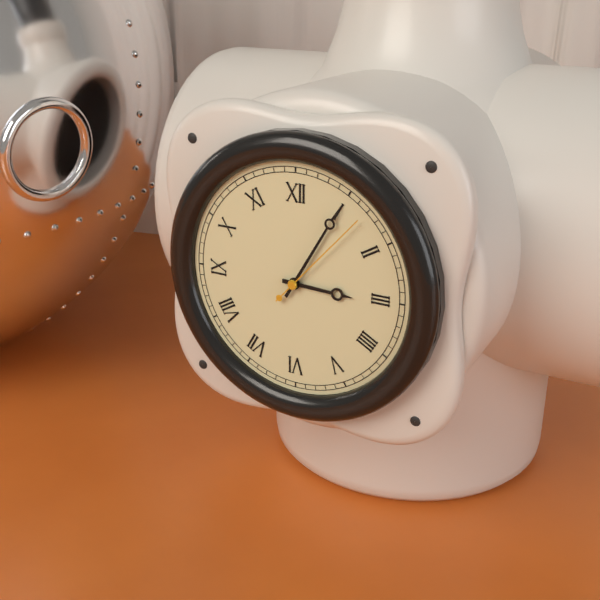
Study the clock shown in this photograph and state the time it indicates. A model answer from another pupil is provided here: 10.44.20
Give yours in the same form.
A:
3.05.07
